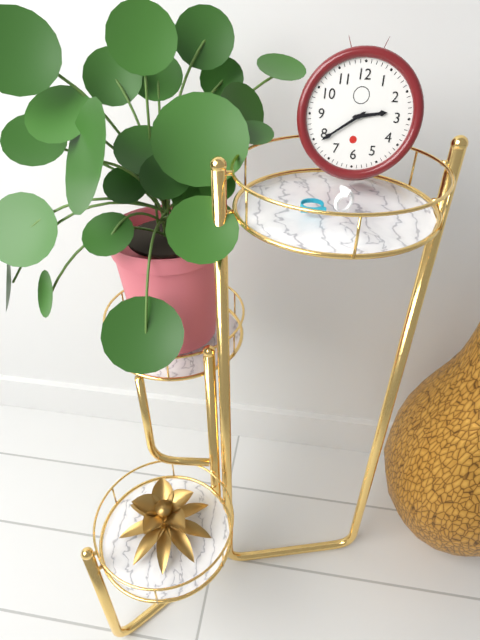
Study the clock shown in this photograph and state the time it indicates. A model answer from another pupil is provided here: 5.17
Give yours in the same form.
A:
2.39
